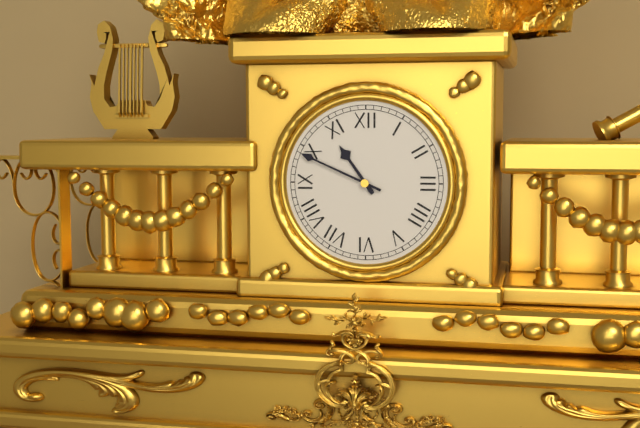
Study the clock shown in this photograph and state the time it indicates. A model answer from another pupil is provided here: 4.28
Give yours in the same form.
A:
10.49
